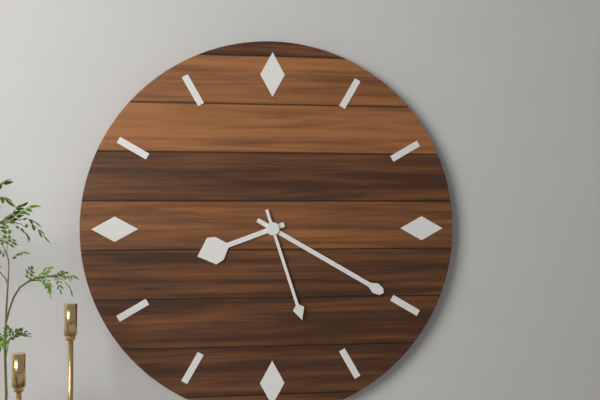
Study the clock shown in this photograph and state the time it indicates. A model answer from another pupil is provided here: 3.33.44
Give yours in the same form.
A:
8.20.27
